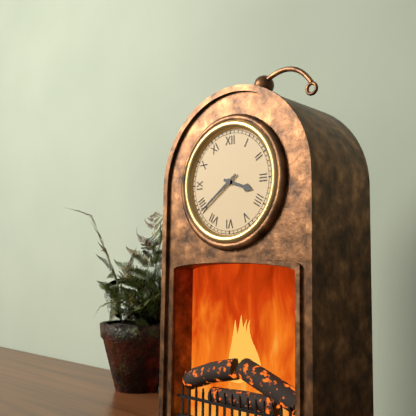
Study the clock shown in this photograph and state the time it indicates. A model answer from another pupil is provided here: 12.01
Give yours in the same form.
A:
3.39
